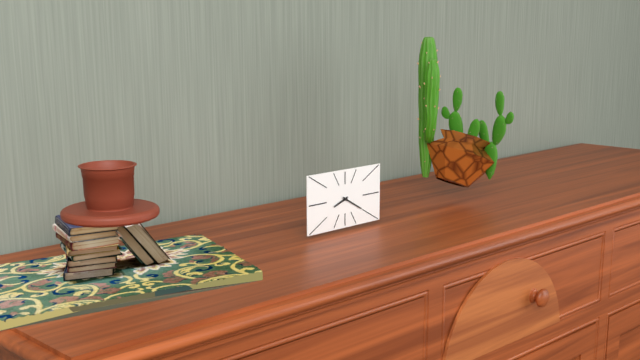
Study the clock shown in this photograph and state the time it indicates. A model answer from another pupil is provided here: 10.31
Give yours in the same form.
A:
8.20
